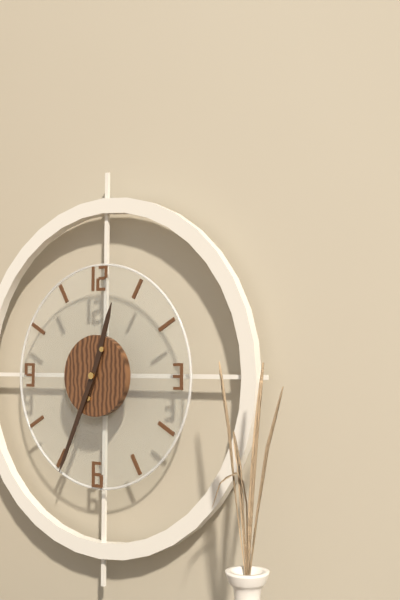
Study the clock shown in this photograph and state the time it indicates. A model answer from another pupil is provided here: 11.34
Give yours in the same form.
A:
12.34
